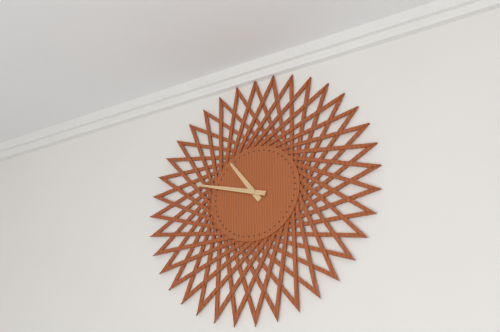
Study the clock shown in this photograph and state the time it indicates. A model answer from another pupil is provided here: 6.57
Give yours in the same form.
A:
10.48
